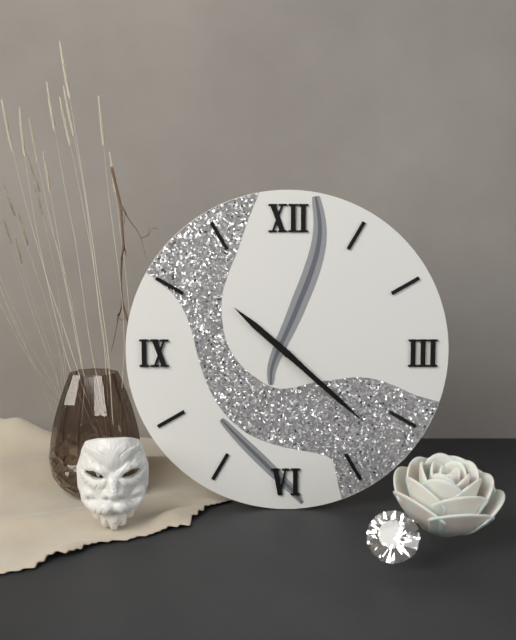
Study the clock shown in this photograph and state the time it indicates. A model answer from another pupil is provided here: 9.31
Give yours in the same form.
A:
10.22
